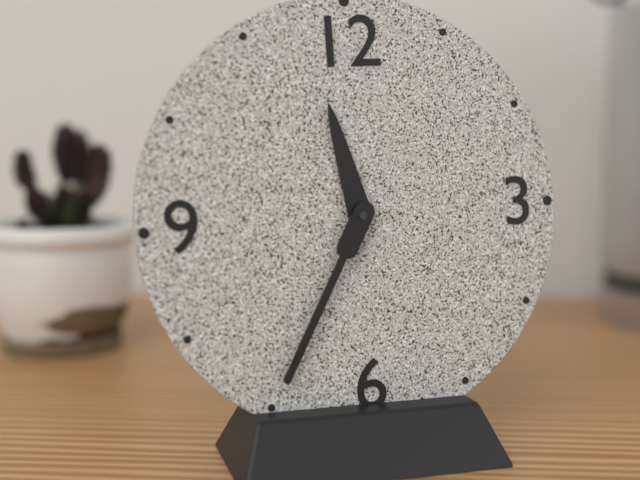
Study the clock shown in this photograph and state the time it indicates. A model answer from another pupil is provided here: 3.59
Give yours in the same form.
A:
11.35
